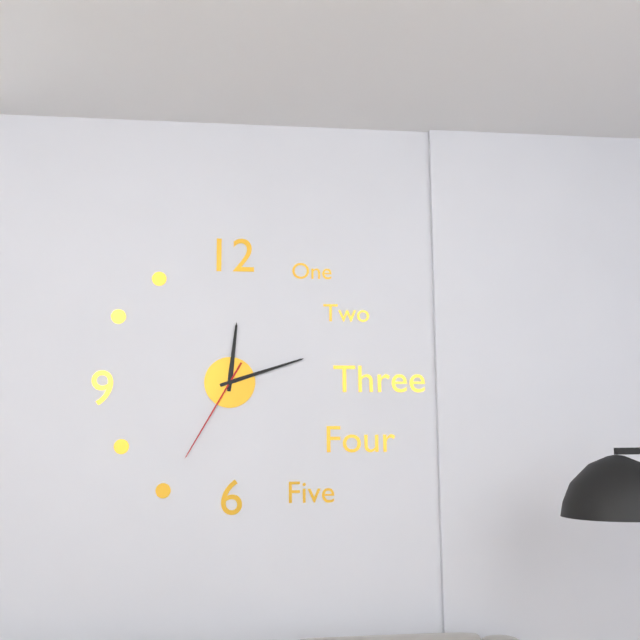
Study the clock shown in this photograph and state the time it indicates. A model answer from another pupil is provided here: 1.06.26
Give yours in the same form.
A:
12.12.35
